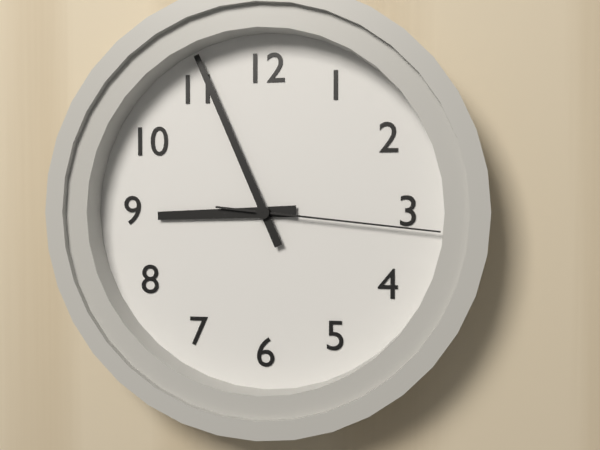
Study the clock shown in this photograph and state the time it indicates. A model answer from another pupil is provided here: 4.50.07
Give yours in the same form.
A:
8.56.16
